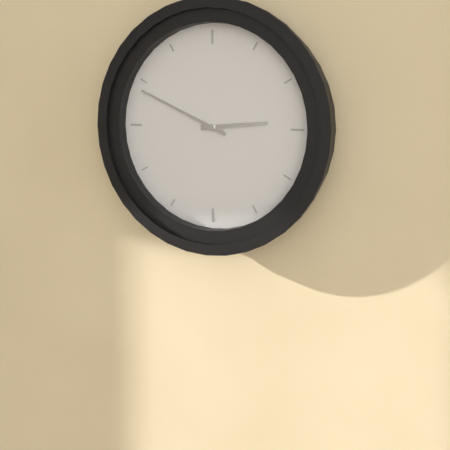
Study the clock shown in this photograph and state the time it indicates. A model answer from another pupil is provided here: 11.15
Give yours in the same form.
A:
2.49
